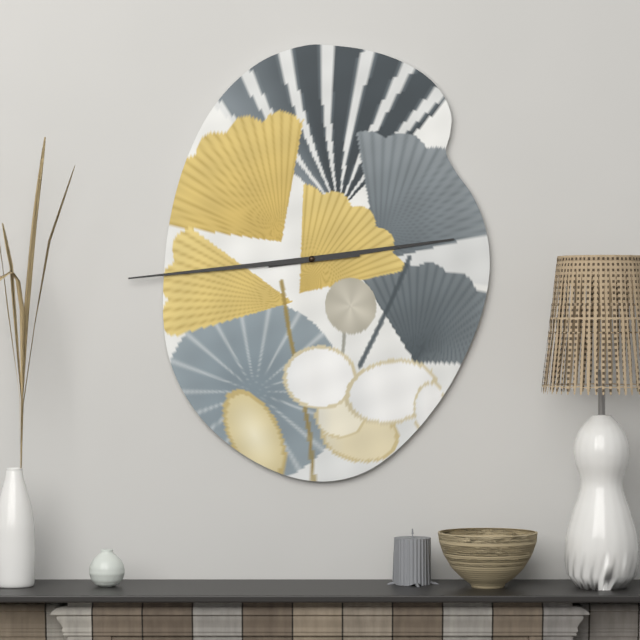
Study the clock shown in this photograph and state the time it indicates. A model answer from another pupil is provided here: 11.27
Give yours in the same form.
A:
2.44
